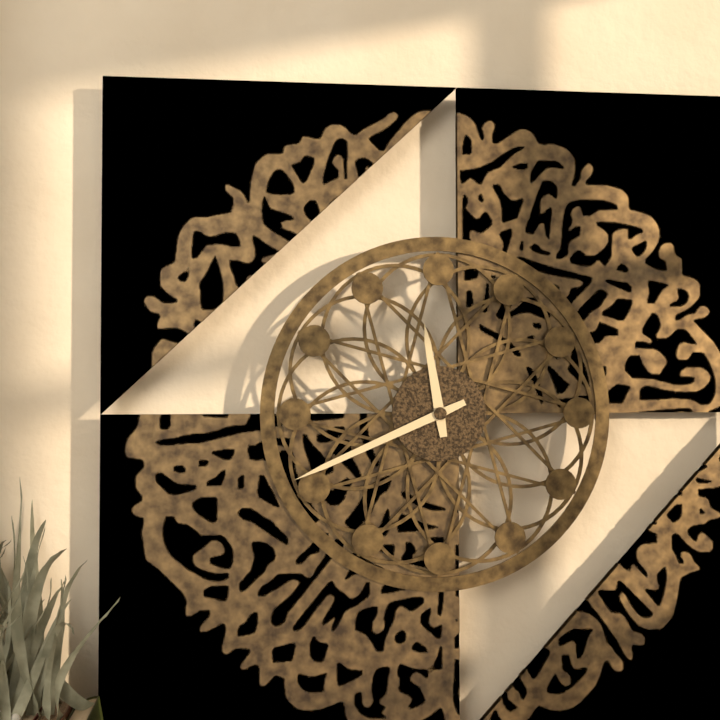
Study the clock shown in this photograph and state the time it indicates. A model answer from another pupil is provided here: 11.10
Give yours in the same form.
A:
11.41
